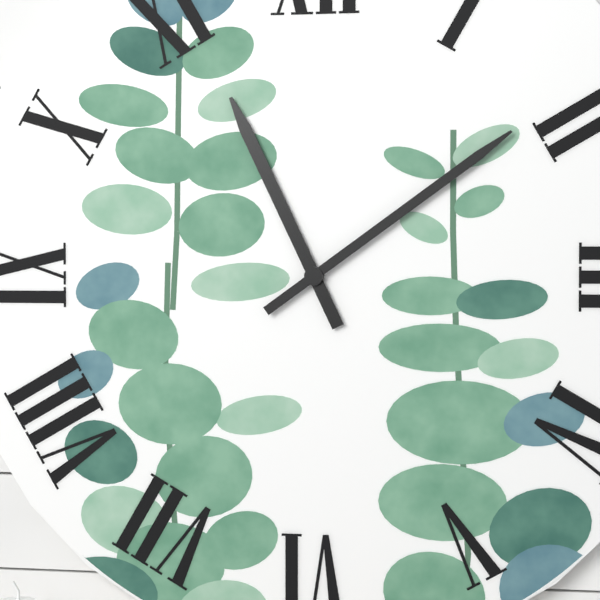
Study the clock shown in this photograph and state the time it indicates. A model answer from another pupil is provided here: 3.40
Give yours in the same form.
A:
11.09
